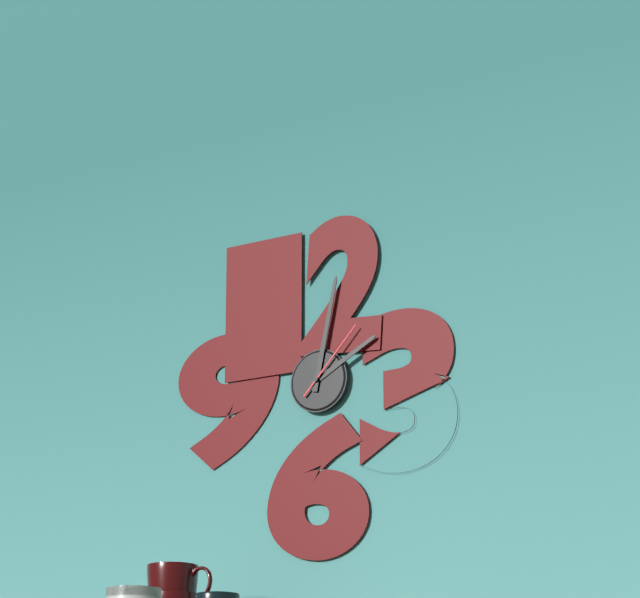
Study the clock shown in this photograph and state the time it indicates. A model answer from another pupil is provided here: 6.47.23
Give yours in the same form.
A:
2.02.07
